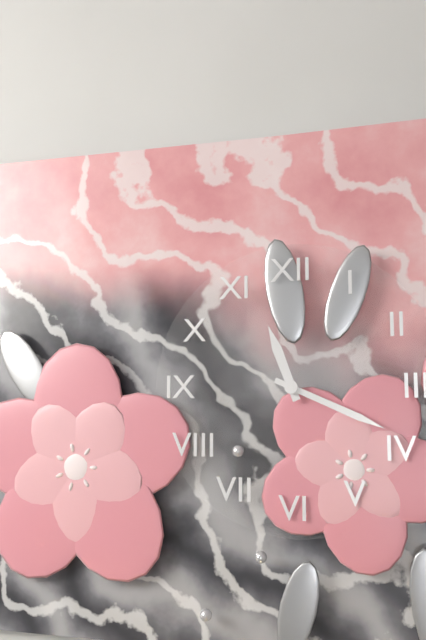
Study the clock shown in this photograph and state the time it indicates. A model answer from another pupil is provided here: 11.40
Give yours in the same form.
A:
11.19
